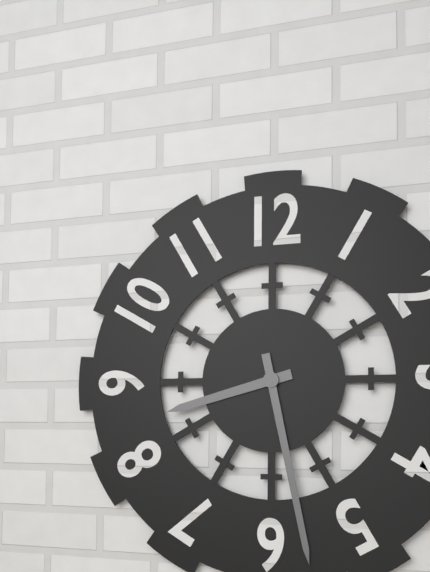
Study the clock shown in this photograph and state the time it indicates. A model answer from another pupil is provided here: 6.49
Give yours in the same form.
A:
8.28
